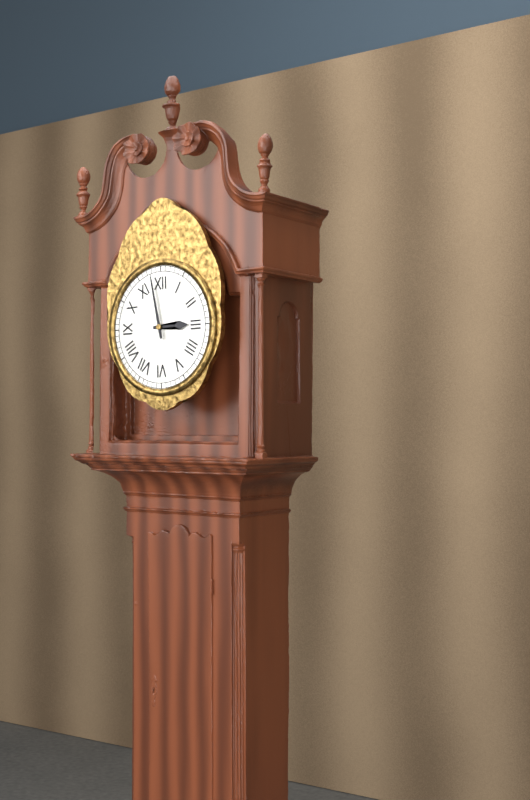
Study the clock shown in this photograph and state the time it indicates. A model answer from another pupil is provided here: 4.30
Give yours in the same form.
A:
2.58
